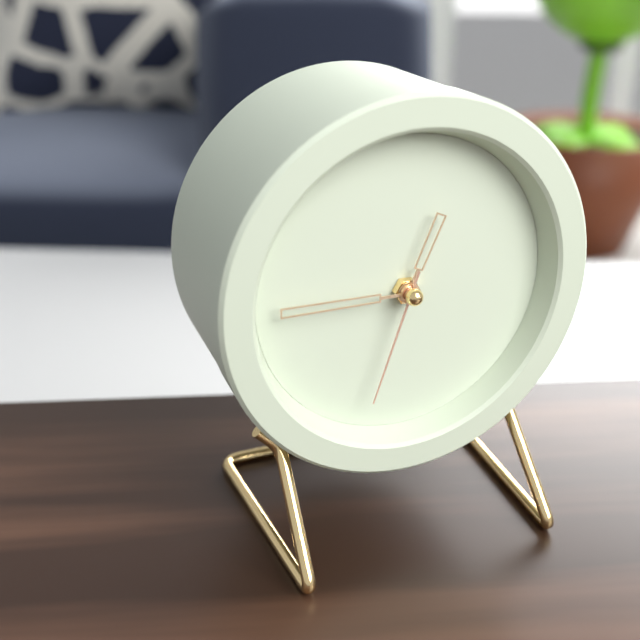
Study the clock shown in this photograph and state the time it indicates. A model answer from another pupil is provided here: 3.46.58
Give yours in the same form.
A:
12.45.33
